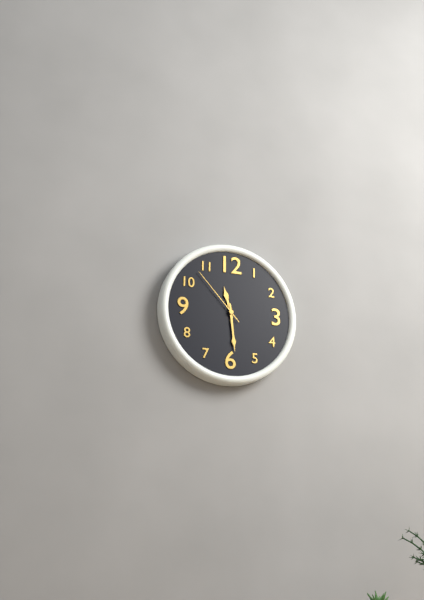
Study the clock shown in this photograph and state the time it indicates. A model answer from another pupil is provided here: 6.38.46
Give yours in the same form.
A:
11.29.53
